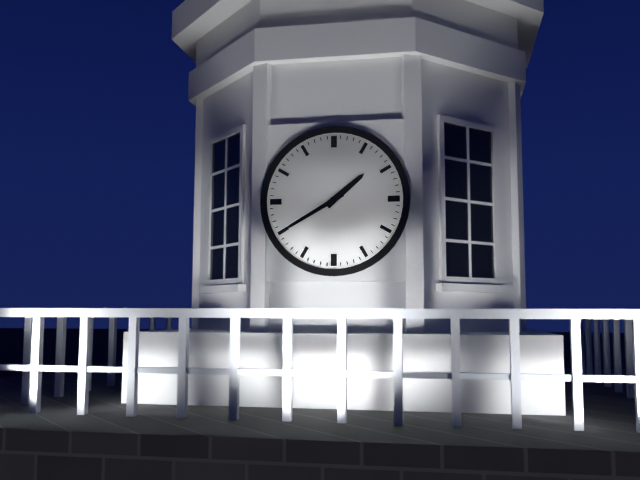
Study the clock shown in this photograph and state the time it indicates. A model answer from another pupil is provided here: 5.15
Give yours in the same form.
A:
1.40
